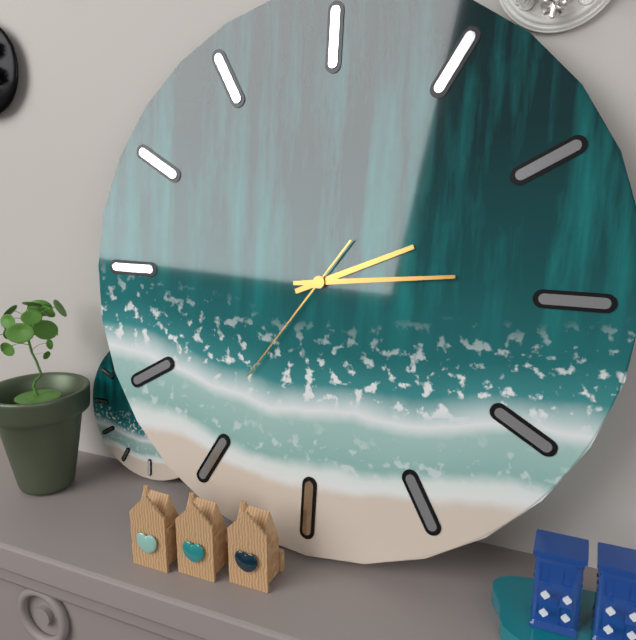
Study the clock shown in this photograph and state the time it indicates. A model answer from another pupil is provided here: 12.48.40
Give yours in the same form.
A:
2.14.36
